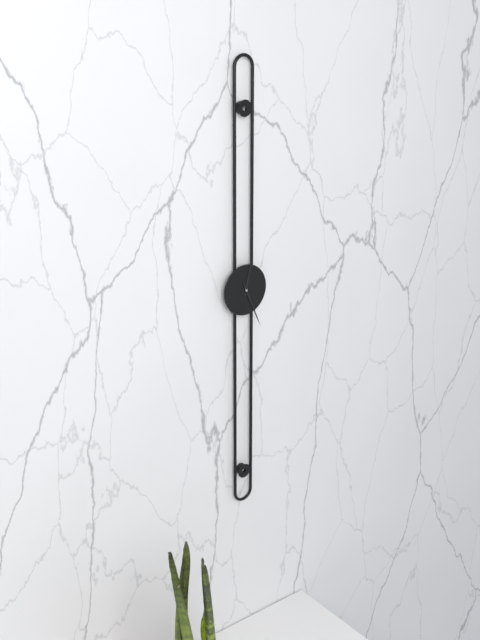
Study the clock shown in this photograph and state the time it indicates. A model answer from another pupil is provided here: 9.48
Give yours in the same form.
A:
12.26
